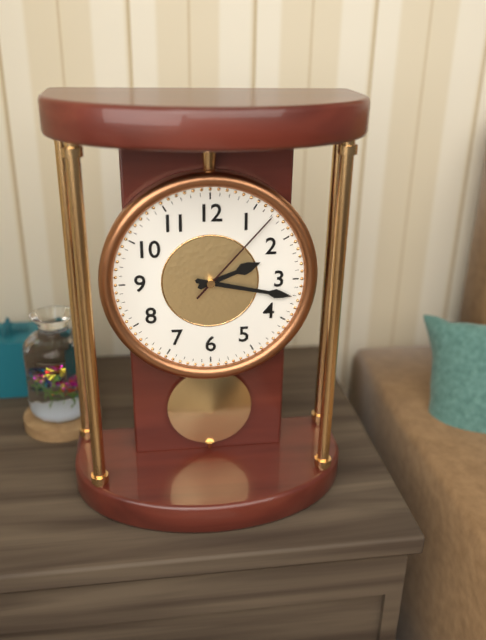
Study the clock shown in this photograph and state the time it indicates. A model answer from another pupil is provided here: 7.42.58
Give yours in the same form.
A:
2.17.07
